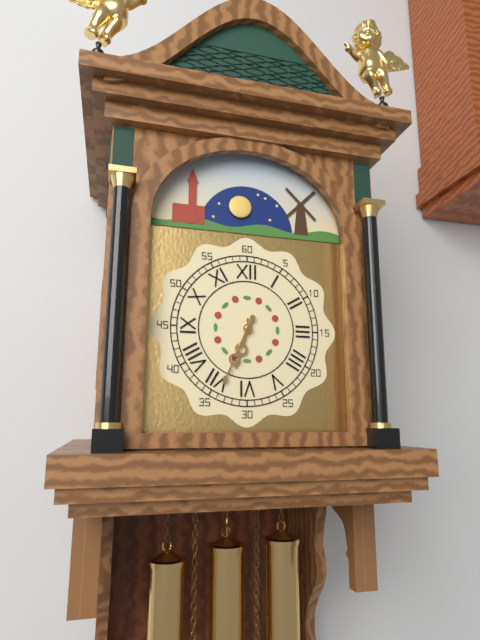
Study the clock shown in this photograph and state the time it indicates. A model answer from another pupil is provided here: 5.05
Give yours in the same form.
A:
6.34
